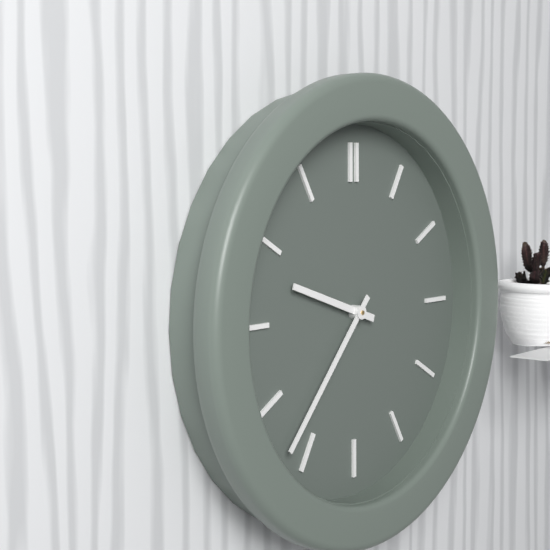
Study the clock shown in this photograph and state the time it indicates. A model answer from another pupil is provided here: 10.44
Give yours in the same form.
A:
9.37
